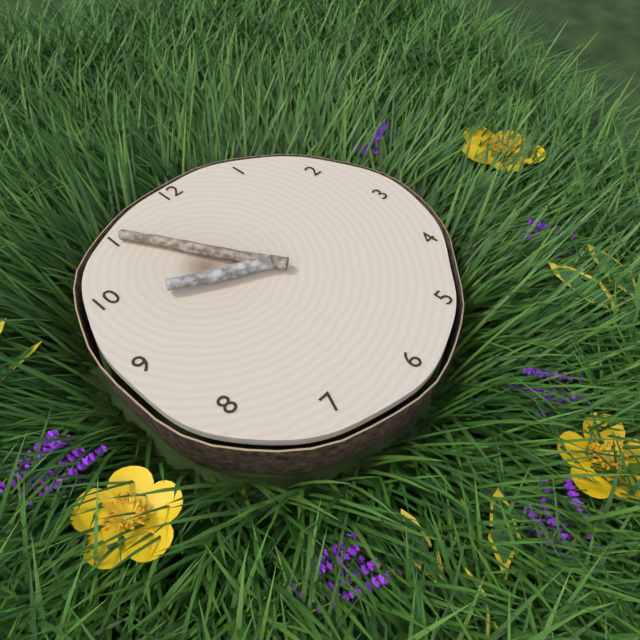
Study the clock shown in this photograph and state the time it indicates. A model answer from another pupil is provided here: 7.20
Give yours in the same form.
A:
9.55
